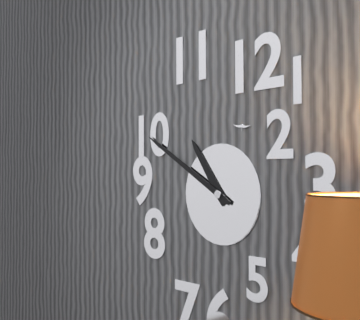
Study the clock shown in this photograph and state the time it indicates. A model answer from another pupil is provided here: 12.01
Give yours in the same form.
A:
10.50
